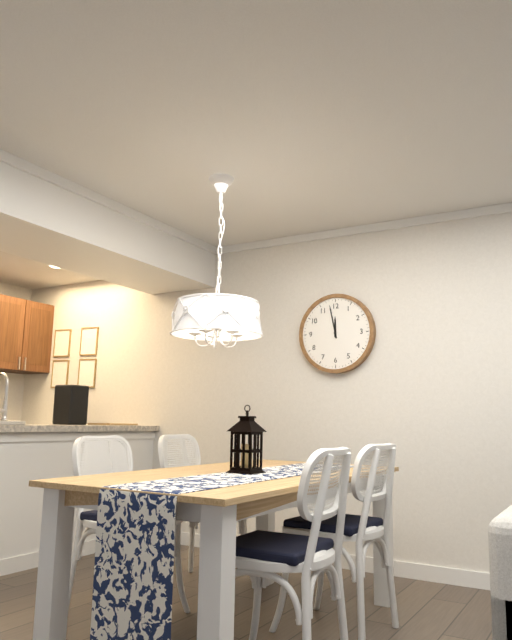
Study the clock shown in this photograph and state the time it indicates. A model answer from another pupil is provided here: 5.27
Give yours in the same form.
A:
11.58
